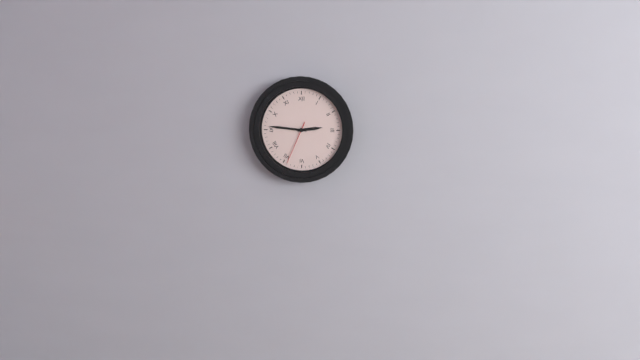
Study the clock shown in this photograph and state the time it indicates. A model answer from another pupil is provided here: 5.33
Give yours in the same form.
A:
2.46
